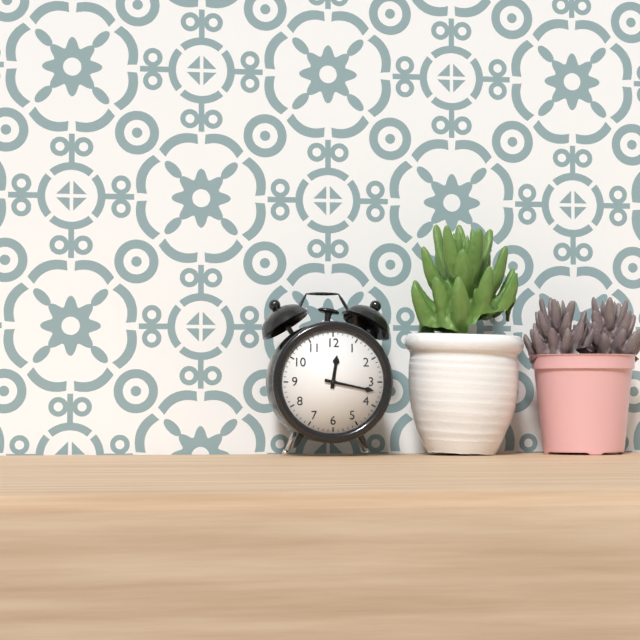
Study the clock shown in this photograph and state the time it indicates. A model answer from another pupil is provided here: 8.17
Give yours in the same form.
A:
12.17
